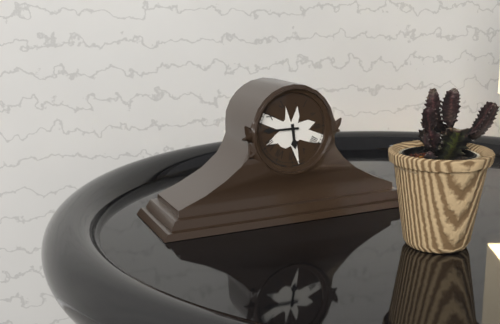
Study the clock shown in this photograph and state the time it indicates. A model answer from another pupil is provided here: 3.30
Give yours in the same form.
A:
5.45
